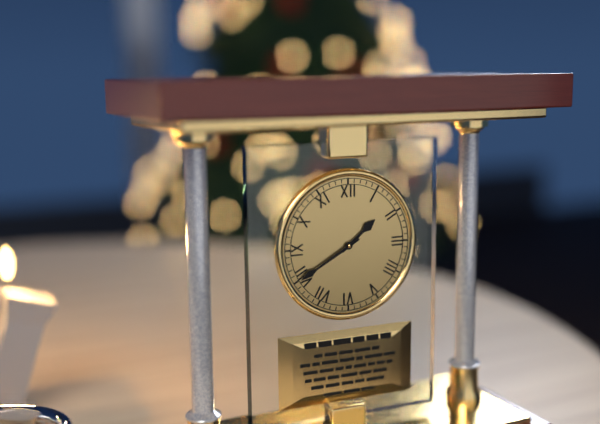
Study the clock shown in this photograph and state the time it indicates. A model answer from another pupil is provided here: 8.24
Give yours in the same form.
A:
1.40
